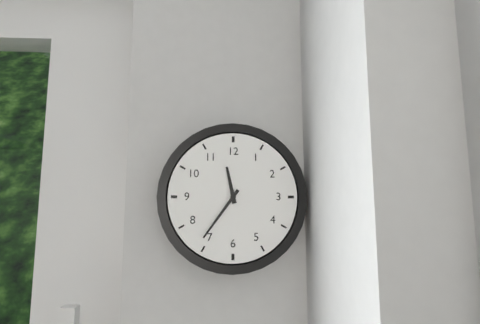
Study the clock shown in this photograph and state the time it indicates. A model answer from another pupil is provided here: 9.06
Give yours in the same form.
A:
11.36
